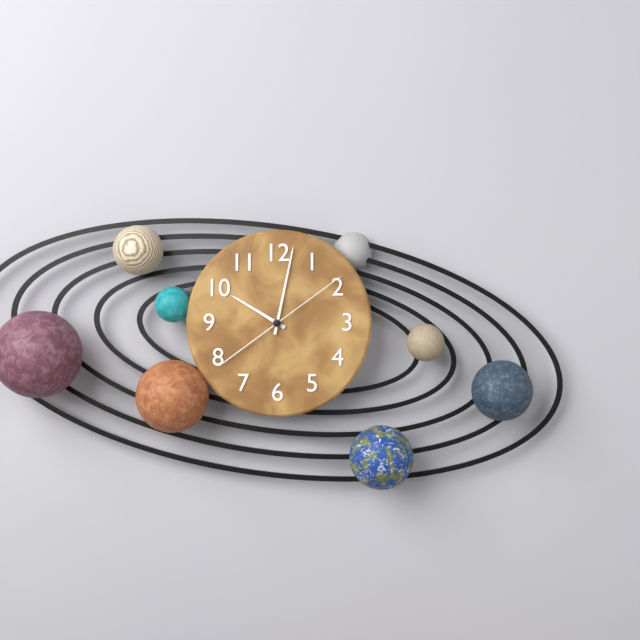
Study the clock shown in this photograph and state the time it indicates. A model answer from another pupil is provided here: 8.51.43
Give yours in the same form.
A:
10.02.09
